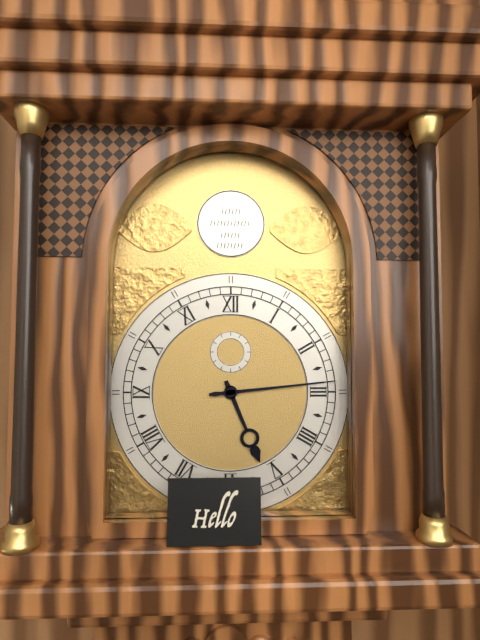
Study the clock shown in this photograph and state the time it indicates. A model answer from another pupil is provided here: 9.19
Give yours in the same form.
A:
5.14
